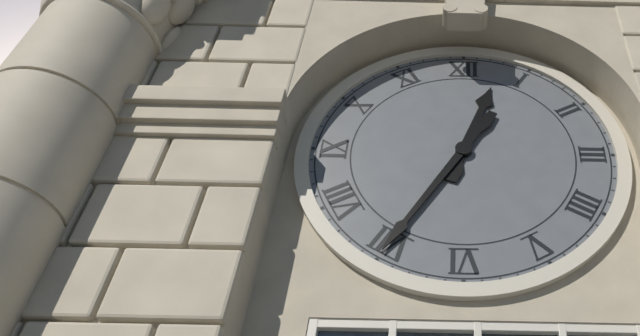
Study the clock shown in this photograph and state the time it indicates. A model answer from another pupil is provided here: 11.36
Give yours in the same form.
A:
12.35
